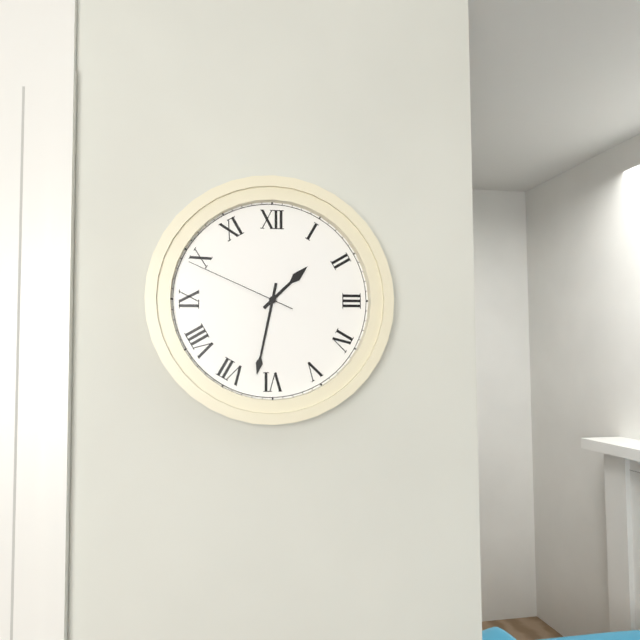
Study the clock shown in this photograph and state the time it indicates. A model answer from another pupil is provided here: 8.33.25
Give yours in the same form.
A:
1.32.49
